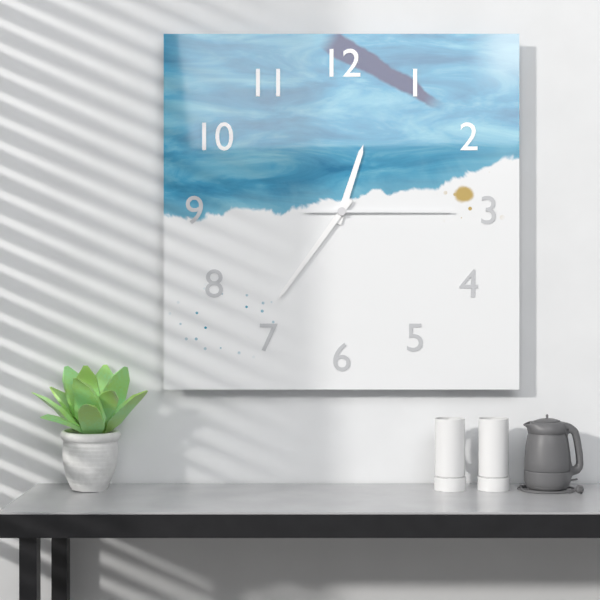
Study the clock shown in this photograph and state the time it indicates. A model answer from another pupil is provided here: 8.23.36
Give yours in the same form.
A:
12.36.15
